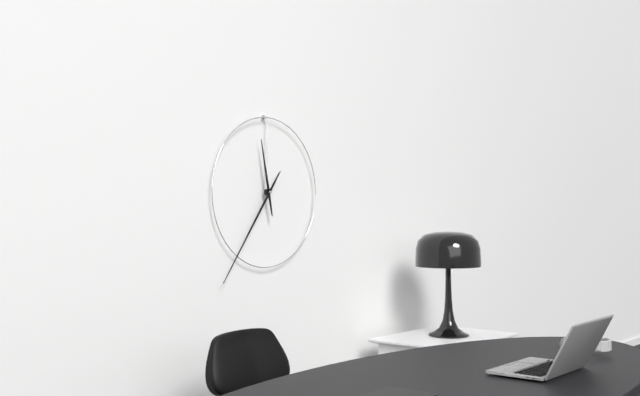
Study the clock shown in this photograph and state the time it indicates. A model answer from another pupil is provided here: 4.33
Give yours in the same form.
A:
11.36
